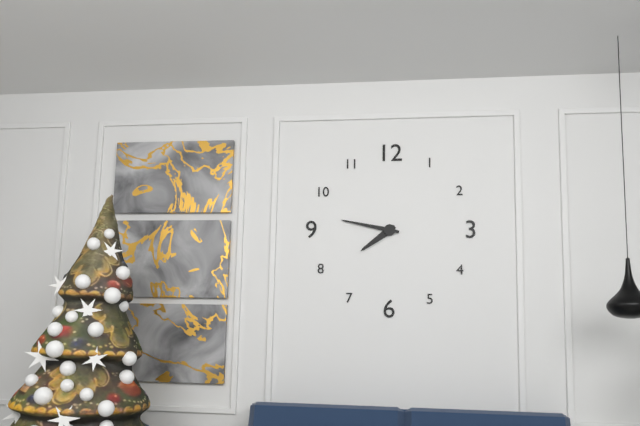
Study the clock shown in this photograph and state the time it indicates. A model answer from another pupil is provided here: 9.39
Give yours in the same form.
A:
7.47
